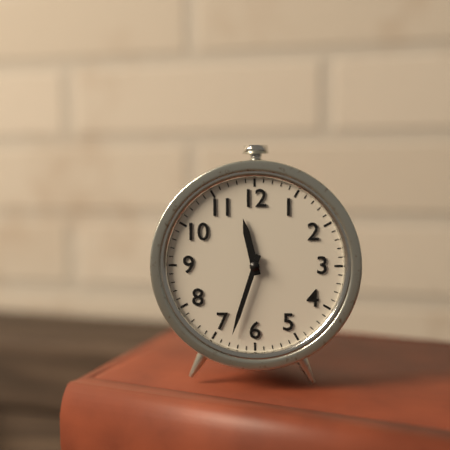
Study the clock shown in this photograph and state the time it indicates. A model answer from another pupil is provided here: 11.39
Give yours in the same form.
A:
11.33
